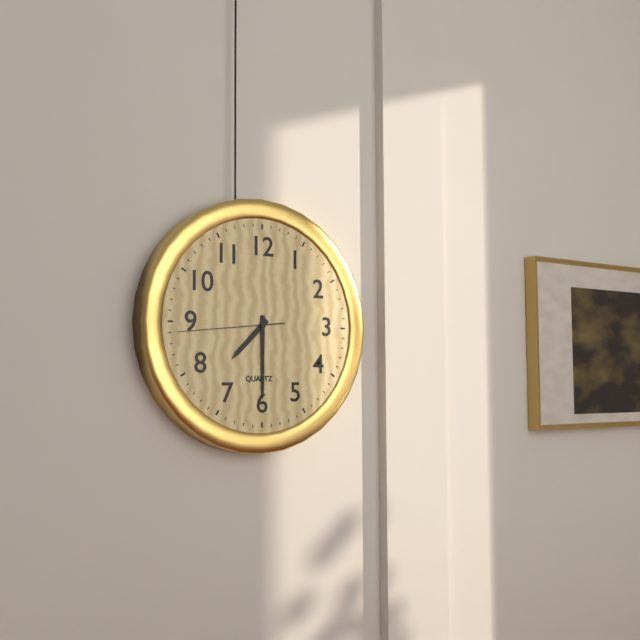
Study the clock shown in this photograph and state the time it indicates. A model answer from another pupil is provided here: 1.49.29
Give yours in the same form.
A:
7.30.44
